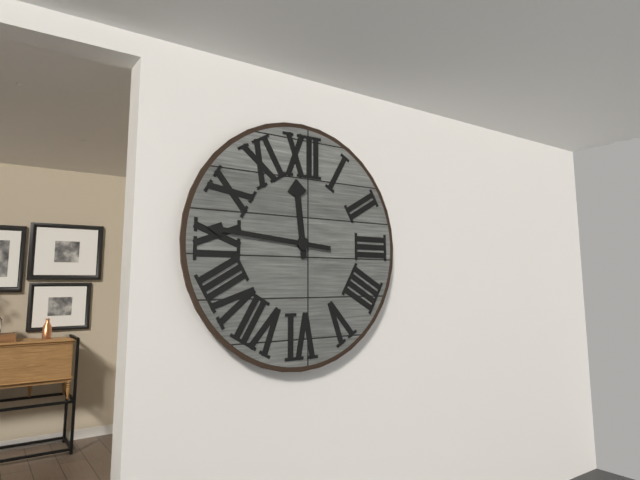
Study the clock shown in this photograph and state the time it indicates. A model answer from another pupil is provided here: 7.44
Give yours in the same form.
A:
11.46
